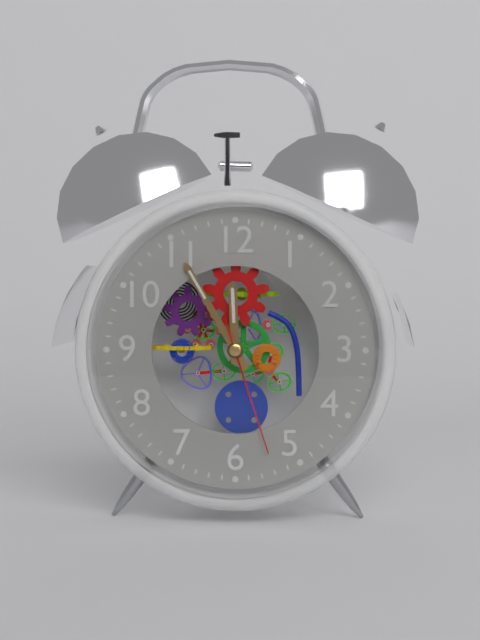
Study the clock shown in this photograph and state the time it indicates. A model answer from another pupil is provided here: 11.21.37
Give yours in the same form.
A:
11.55.27
